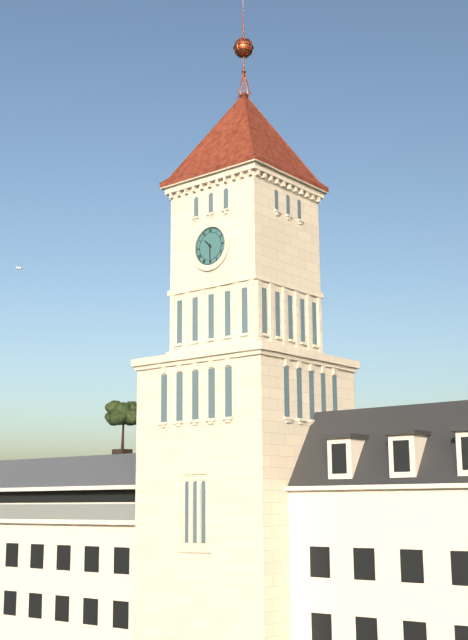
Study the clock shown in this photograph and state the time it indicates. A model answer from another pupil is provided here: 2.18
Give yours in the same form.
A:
10.30
